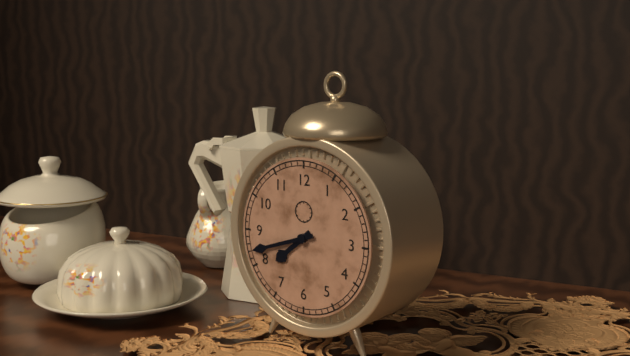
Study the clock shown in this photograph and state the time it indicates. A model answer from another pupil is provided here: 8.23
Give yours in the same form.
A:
7.42
